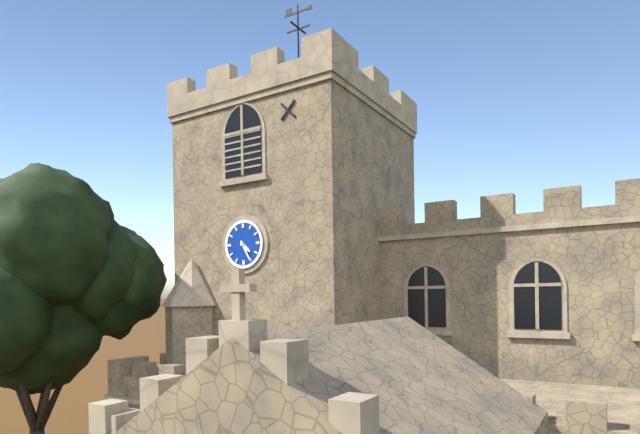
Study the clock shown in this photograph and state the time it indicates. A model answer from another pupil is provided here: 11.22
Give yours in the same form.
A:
4.25
